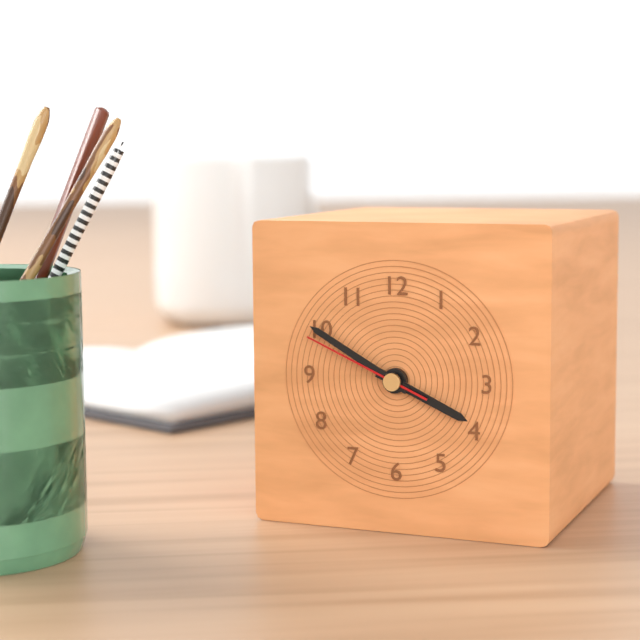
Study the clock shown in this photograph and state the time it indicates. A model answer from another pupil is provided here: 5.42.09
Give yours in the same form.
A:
3.50.49
